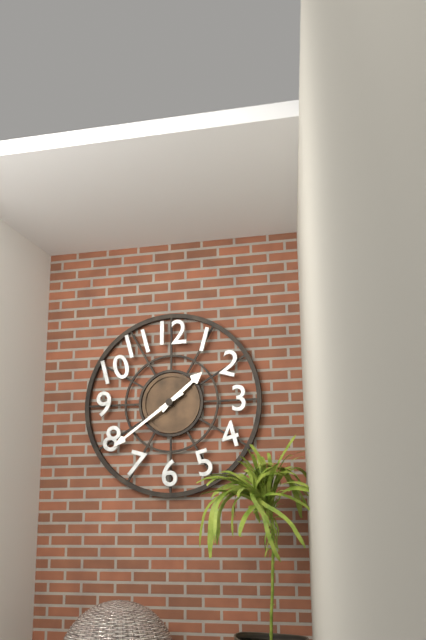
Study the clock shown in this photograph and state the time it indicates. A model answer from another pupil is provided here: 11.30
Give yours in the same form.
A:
1.39
